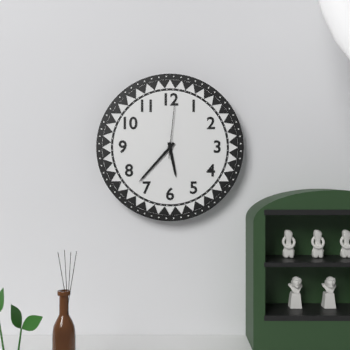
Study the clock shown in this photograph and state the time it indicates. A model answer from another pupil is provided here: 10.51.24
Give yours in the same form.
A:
5.37.01
